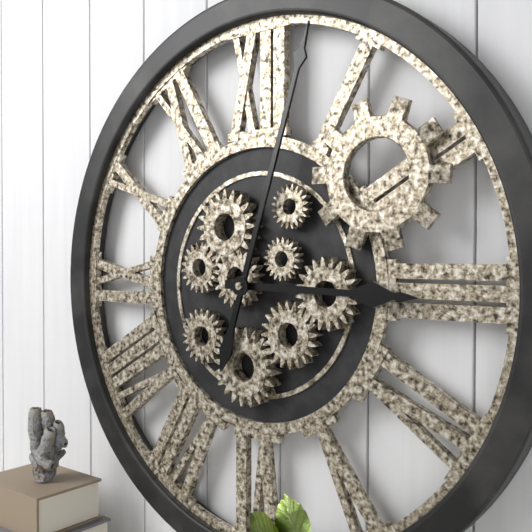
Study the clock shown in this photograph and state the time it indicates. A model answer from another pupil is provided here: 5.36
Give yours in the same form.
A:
3.03
